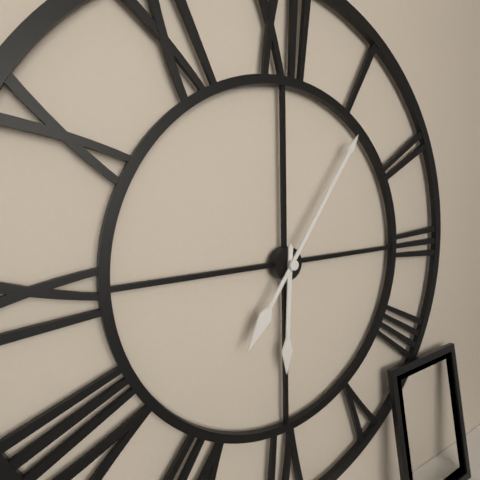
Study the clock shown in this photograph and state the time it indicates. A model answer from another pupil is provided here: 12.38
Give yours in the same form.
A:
6.06
